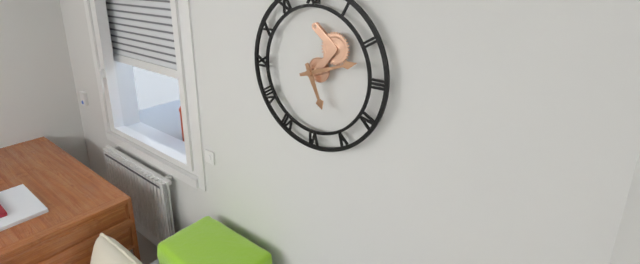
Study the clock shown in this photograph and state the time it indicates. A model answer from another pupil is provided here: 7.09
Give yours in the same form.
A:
5.12
